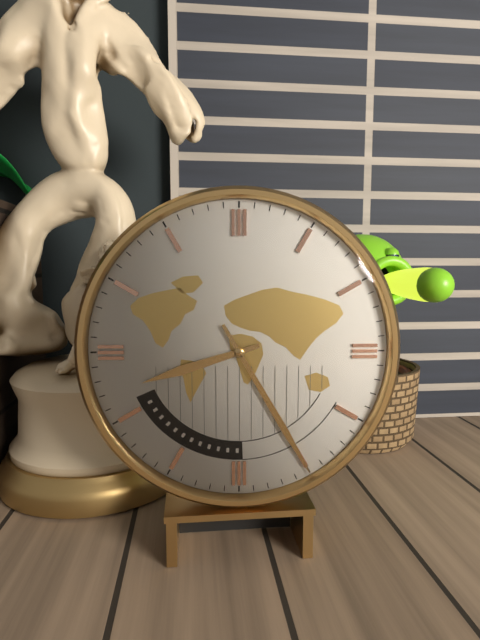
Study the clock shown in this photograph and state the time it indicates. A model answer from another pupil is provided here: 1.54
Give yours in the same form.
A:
8.25
